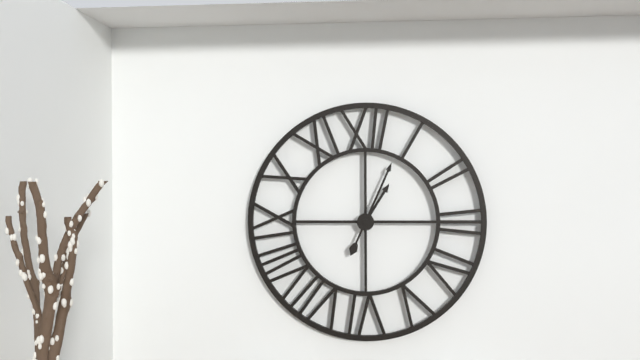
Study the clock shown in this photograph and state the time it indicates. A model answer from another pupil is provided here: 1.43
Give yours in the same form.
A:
1.04
